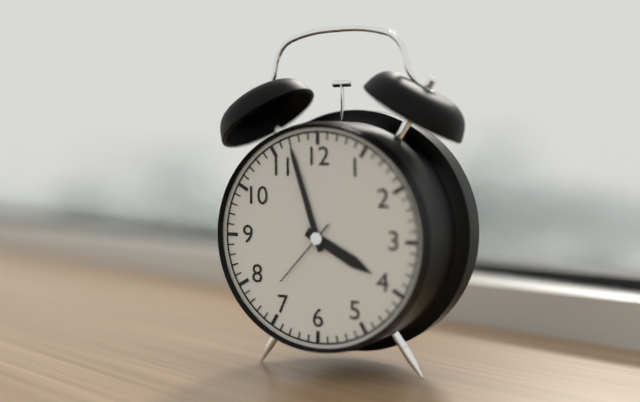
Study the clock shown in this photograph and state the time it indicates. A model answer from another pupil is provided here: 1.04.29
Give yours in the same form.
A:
3.57.37
